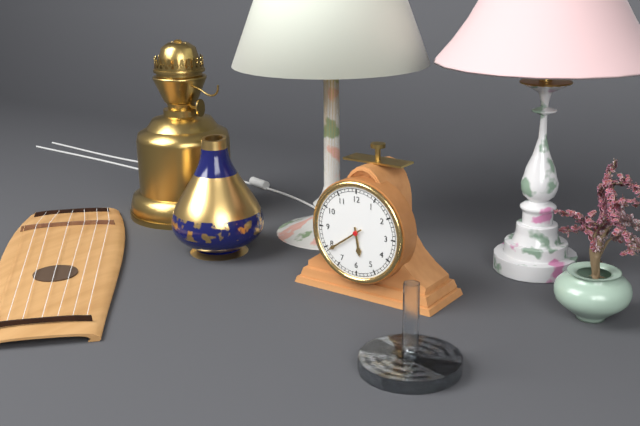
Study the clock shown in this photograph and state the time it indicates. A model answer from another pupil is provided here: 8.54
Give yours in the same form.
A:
5.39
